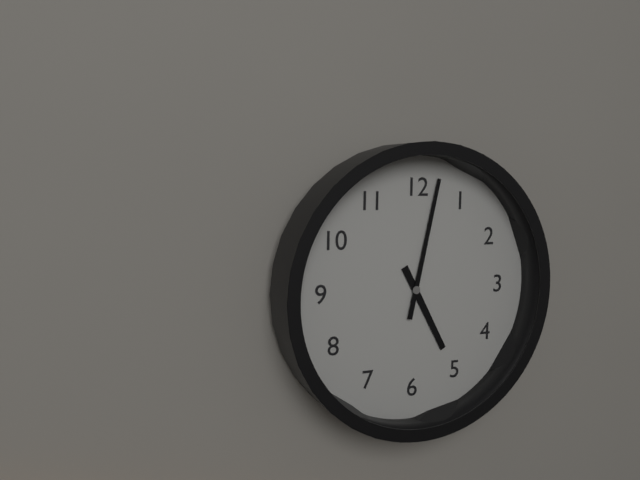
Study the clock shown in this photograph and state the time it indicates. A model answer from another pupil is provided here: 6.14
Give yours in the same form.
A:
5.02
